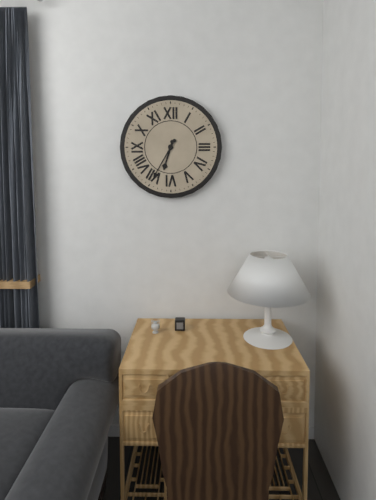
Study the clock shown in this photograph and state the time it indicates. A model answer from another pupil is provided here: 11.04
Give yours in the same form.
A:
6.35
